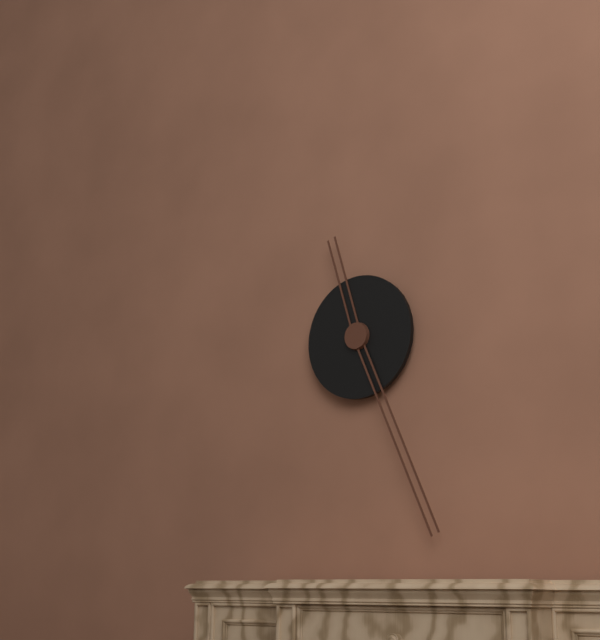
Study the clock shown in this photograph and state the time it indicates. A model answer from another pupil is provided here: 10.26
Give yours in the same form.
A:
11.26
